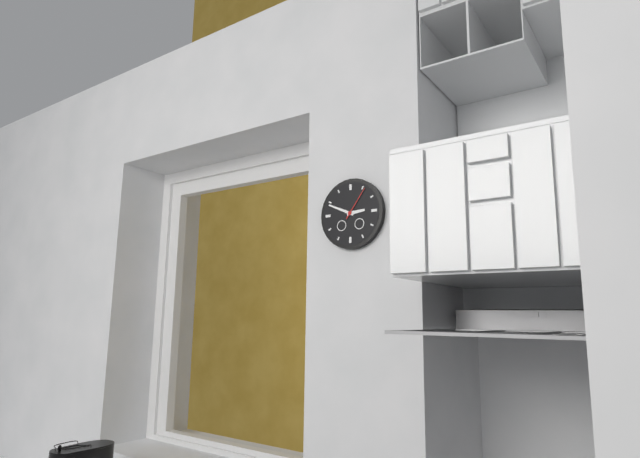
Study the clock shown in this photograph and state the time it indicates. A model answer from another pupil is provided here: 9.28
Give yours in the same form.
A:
2.49
